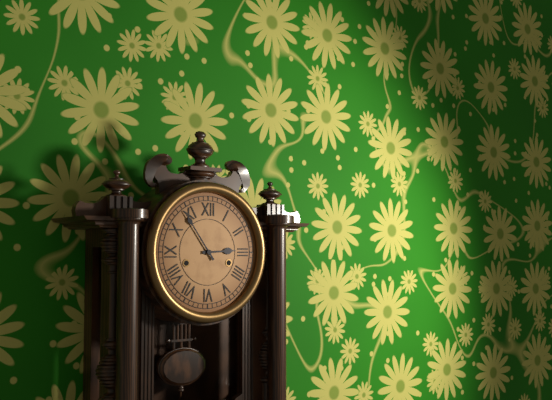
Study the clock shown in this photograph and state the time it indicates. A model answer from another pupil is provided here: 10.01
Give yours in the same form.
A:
2.54
